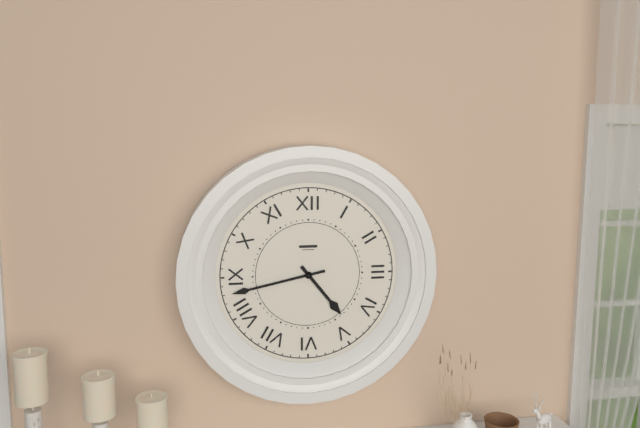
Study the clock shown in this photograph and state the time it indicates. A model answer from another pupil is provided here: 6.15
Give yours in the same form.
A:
4.43
